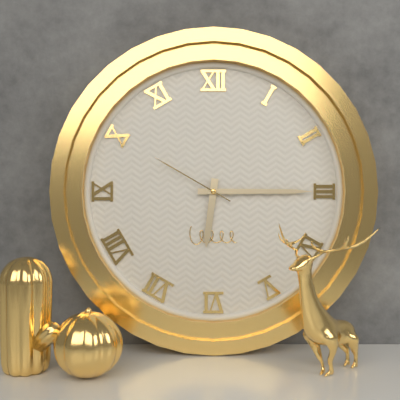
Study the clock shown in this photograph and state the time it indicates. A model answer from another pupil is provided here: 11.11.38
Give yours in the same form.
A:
6.15.50
